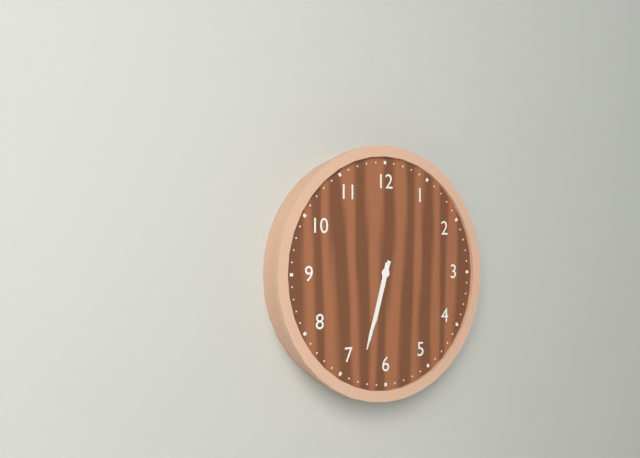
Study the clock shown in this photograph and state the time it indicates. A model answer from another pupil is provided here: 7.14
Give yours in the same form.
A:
6.33
